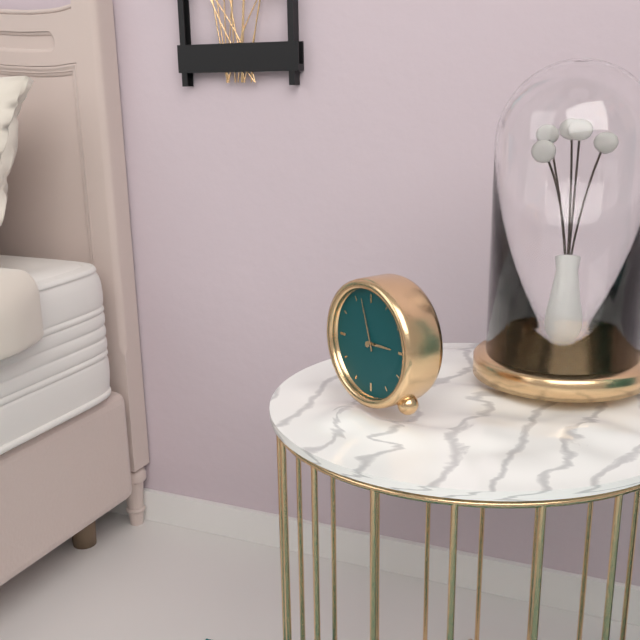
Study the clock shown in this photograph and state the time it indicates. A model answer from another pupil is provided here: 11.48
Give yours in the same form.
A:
2.57
